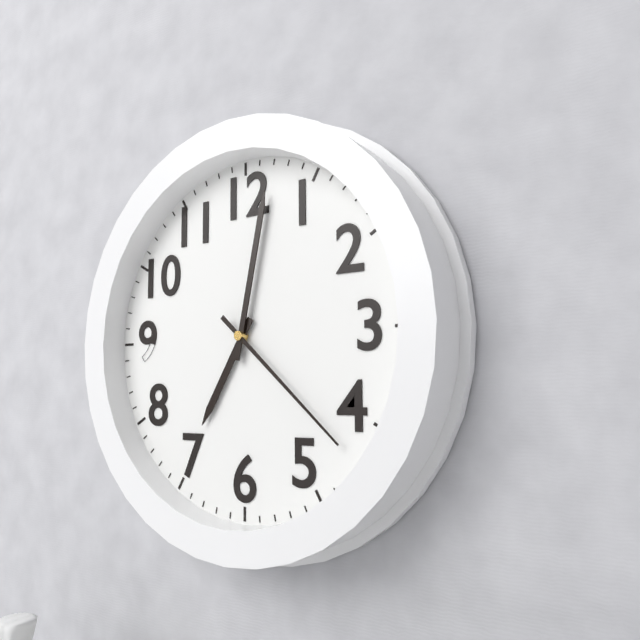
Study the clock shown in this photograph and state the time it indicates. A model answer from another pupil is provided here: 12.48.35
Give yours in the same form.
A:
7.02.22
